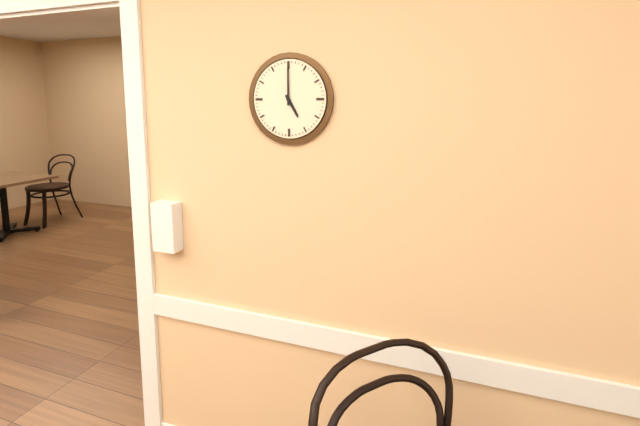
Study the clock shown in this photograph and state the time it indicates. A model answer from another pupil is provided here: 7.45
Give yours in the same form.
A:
5.00
